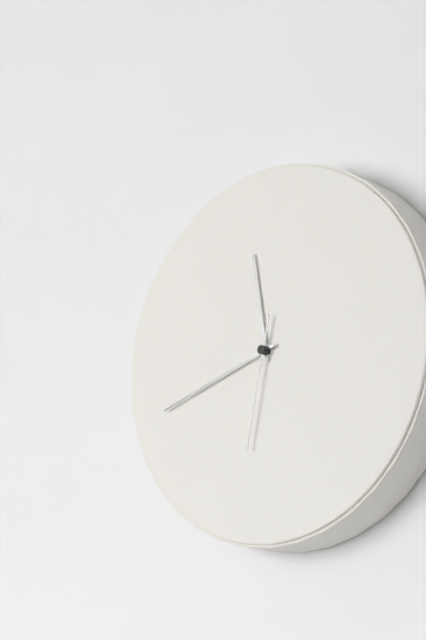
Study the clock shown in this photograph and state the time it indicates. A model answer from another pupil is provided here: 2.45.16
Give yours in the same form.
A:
11.42.32
